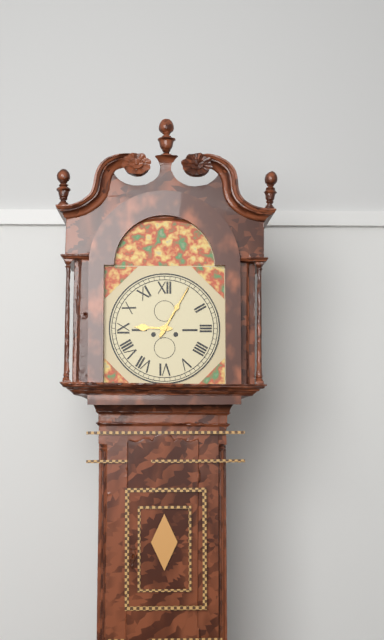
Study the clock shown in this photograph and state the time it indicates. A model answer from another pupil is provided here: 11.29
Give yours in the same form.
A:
9.05
